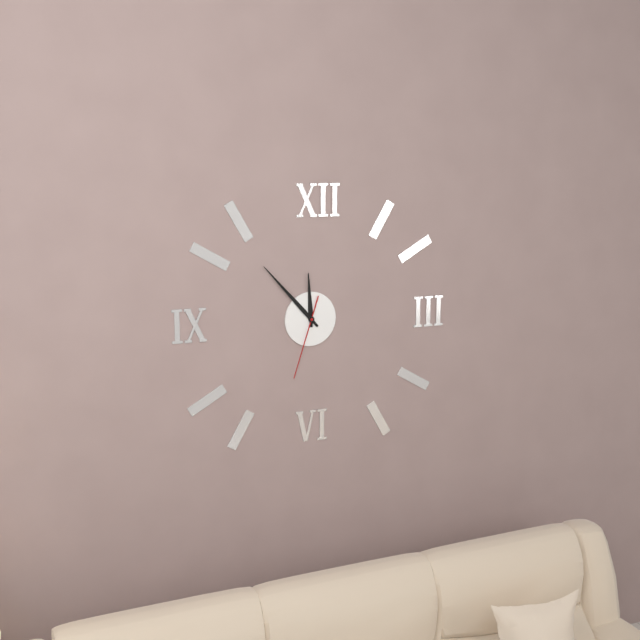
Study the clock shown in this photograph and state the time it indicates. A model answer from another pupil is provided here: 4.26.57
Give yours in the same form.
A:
11.53.33
